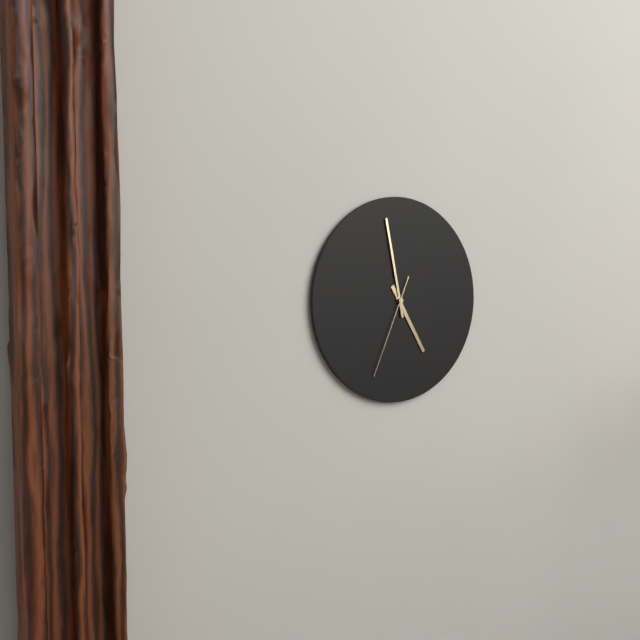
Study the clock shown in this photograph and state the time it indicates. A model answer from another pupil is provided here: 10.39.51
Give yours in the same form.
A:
4.58.34
